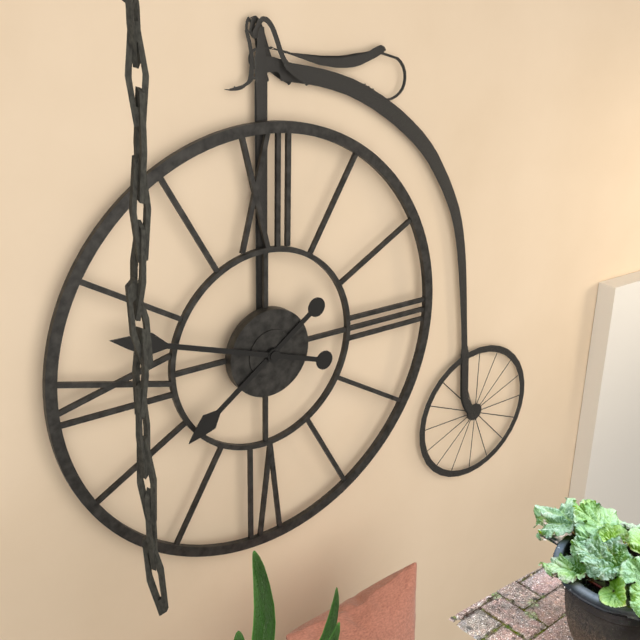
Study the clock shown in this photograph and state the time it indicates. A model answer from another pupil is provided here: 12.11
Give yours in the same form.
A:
7.48
